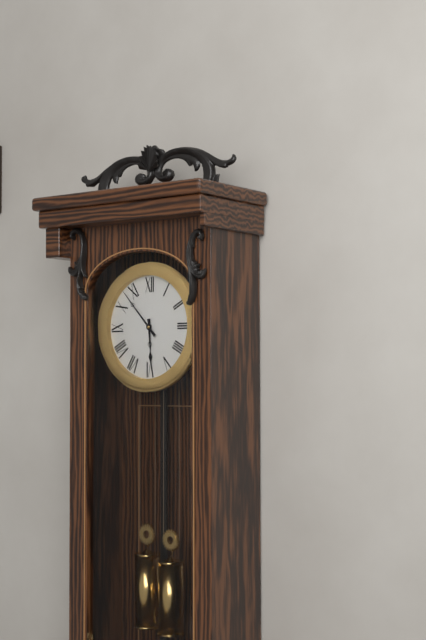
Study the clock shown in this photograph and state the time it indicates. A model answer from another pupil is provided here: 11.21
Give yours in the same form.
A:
5.53
